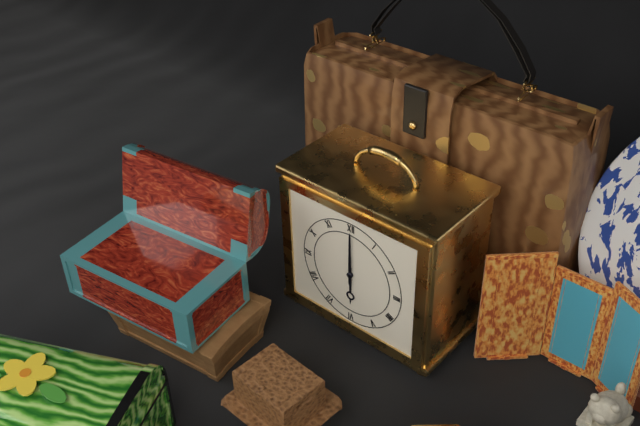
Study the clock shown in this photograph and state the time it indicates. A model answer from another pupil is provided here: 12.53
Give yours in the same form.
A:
6.00
